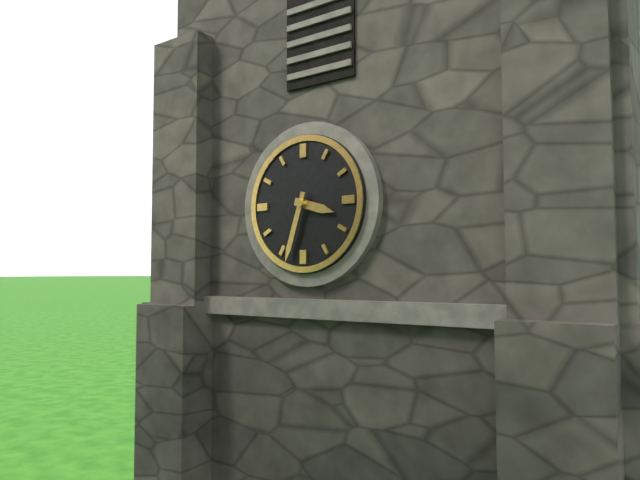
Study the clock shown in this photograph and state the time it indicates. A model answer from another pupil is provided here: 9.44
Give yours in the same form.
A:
3.33
